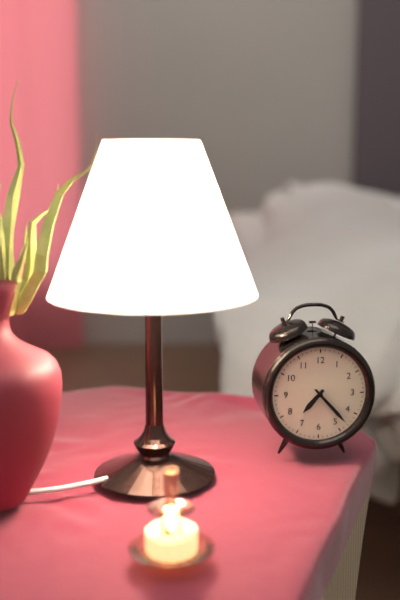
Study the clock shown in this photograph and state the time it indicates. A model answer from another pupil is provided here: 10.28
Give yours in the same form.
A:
7.23
